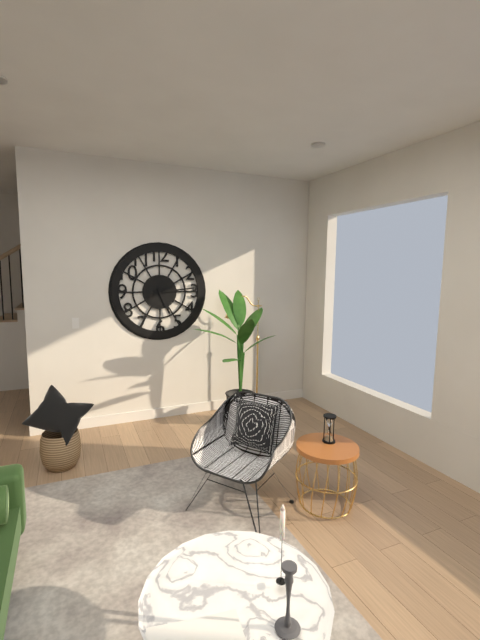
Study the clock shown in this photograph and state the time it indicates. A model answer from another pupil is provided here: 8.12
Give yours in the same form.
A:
5.14
